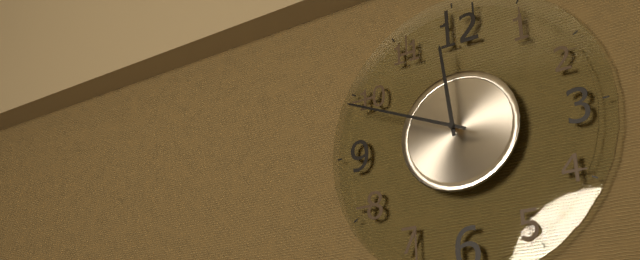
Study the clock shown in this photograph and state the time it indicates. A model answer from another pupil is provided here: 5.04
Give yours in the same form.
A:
11.49
